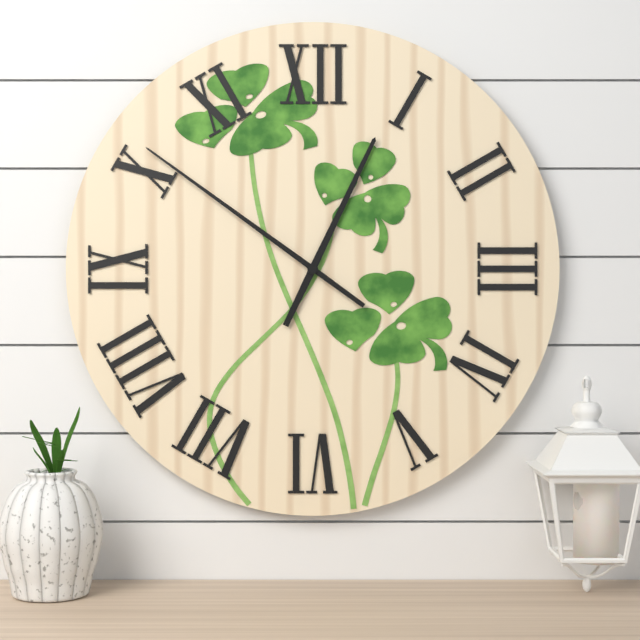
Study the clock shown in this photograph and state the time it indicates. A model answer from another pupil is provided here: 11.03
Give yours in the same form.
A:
12.51
